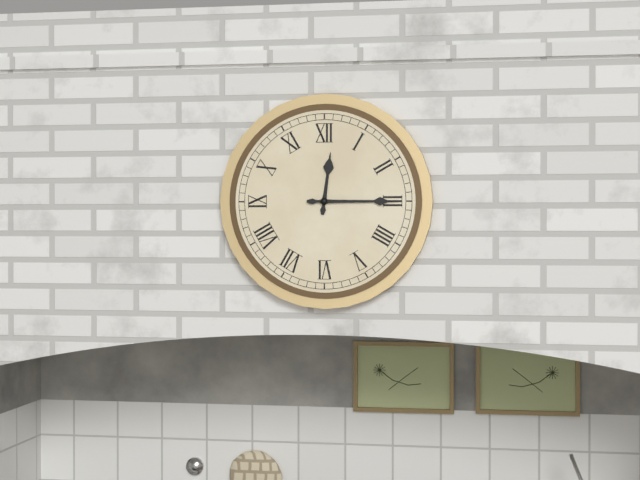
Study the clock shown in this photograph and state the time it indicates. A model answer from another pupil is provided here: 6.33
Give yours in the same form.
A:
12.15
